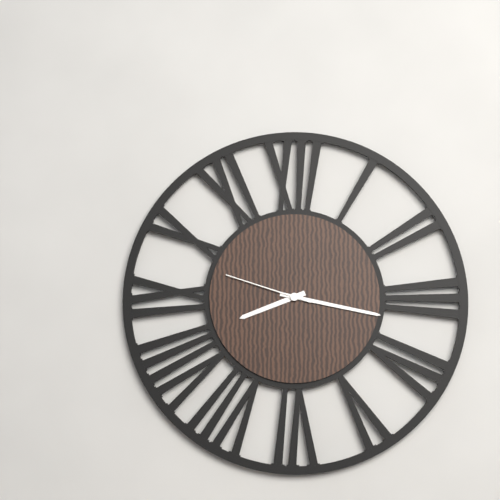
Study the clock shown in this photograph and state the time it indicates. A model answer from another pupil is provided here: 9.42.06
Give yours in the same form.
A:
8.17.48
